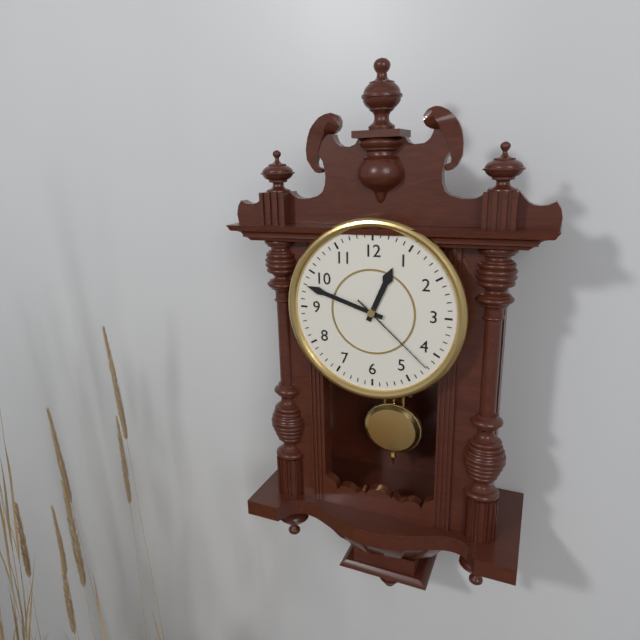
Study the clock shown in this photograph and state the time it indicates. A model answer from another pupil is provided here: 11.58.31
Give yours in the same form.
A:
12.48.22
